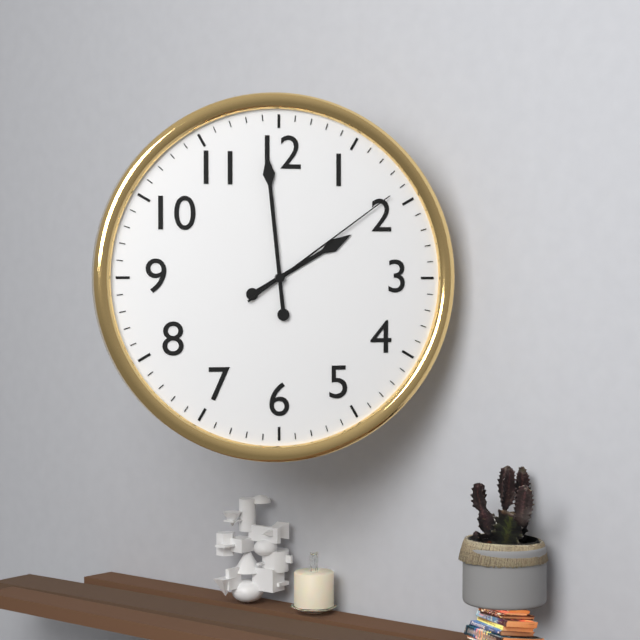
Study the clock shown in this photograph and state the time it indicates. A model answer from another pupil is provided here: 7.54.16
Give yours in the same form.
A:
1.59.09
